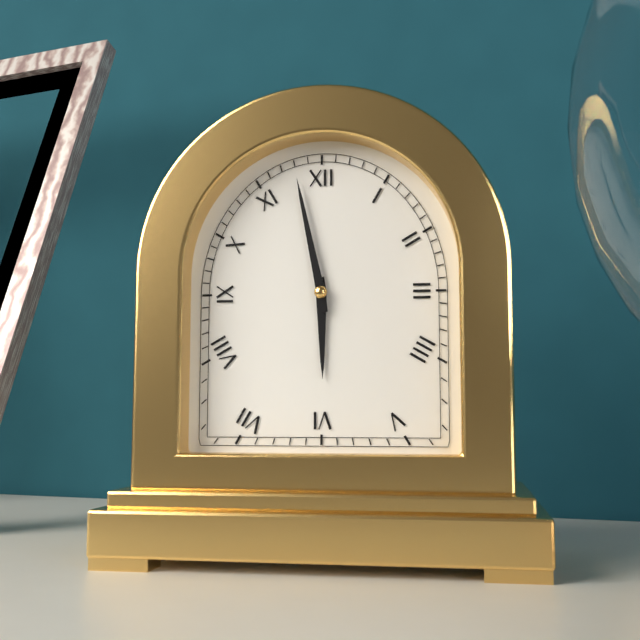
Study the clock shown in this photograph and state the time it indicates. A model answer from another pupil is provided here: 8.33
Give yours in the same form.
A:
5.58
